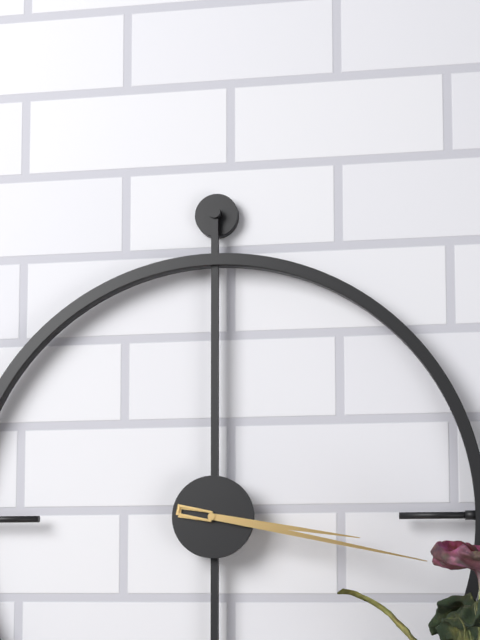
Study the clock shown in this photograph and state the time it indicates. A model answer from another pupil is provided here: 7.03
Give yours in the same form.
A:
3.17
